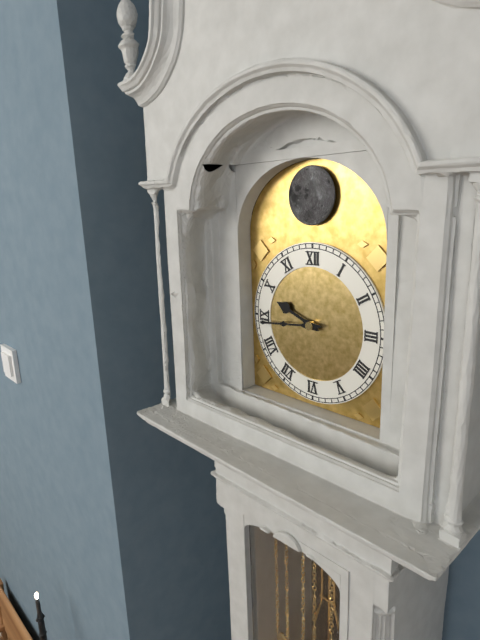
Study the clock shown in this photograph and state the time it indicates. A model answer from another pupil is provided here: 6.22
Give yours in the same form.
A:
9.44
